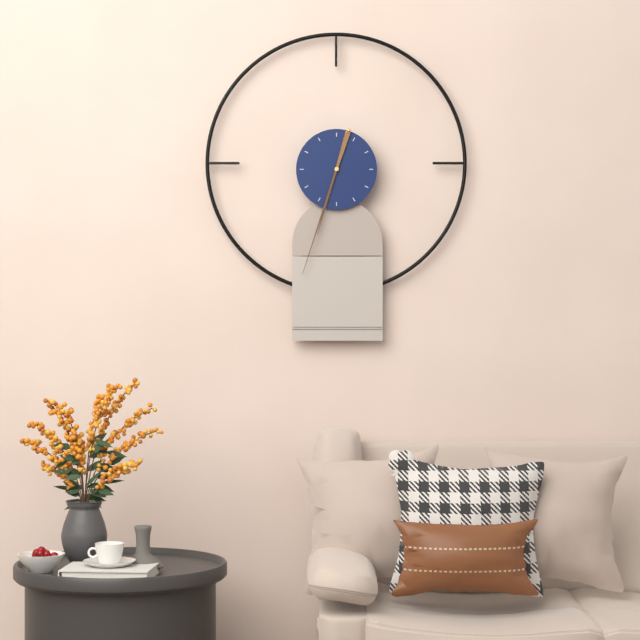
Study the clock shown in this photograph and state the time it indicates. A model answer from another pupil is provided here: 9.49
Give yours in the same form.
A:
6.33
